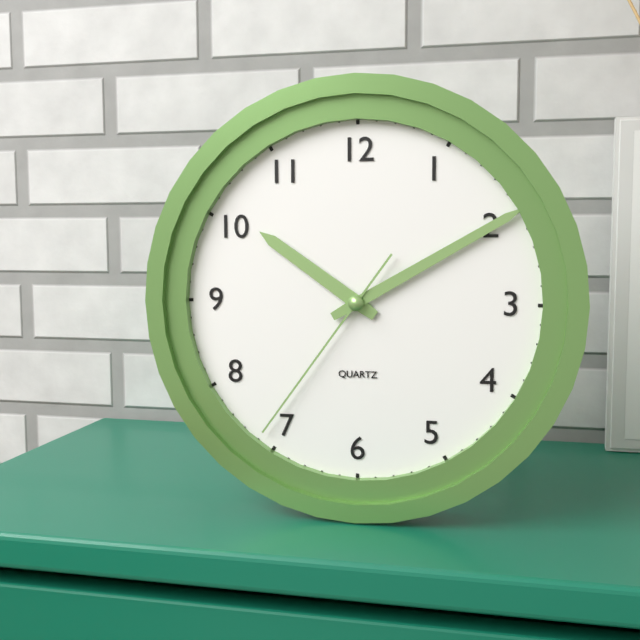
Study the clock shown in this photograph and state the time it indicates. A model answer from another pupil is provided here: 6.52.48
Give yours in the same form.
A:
10.10.36
